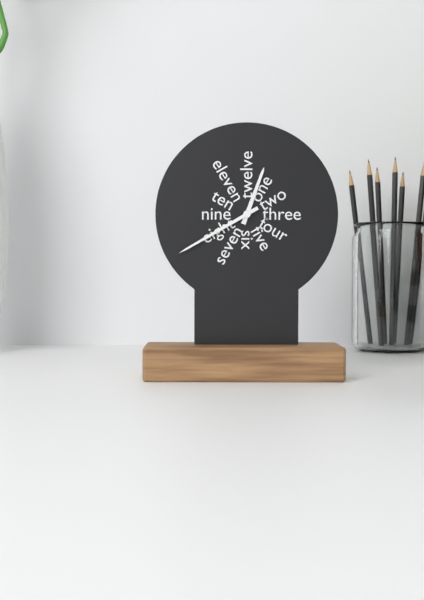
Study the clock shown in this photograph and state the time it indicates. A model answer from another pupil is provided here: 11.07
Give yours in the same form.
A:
12.40
